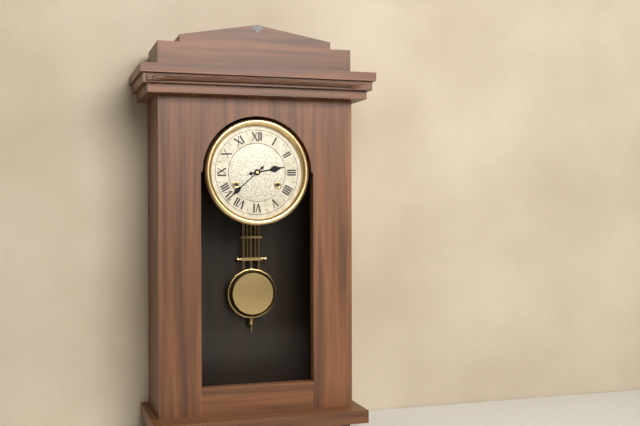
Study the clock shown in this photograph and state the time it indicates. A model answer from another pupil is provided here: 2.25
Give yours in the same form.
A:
2.38
